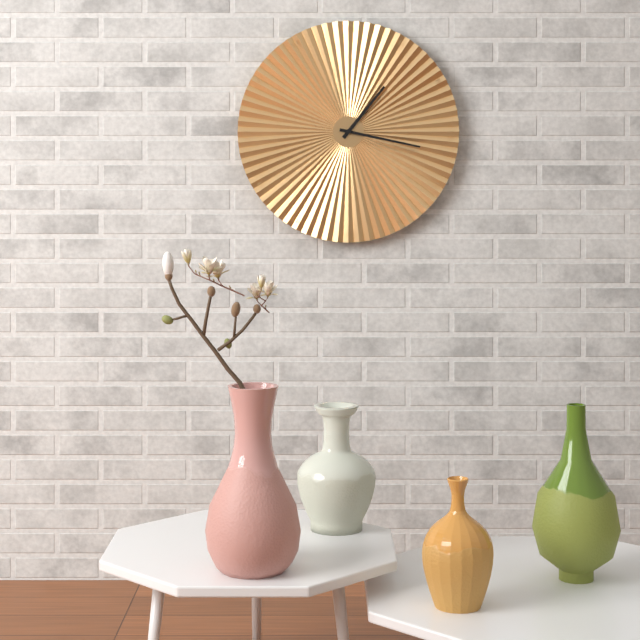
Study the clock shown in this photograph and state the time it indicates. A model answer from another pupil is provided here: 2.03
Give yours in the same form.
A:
1.17
